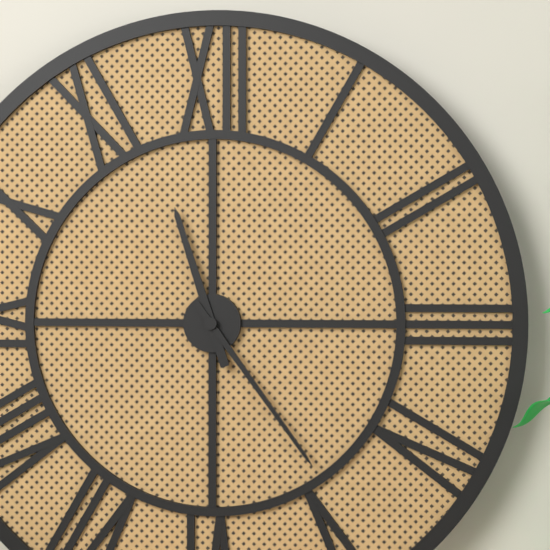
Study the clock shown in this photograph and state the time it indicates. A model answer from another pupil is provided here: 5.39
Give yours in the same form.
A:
11.24
